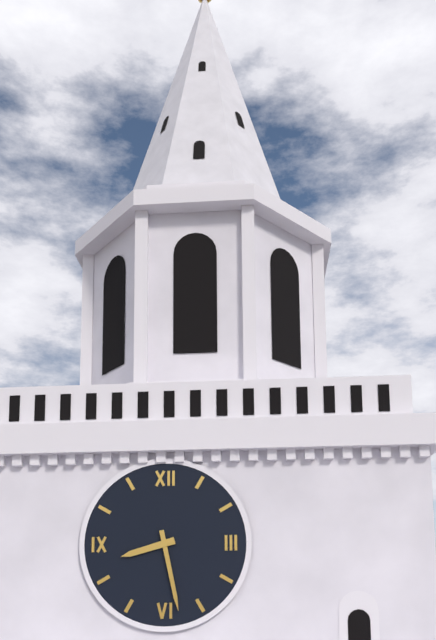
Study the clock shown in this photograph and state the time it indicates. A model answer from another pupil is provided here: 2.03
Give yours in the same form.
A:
8.28
